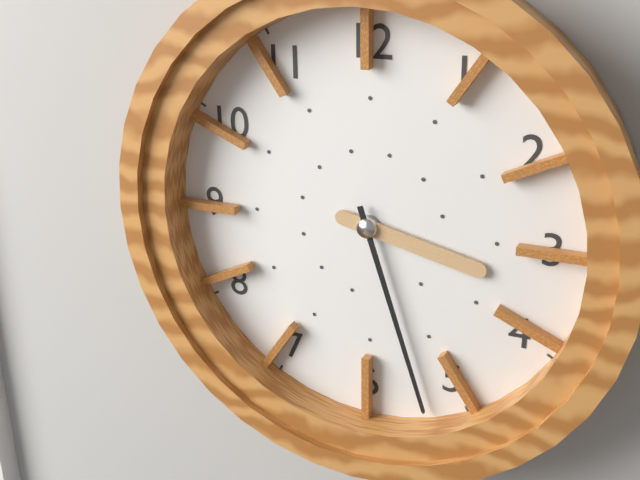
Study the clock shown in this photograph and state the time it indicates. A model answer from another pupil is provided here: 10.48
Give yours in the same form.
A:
3.27
